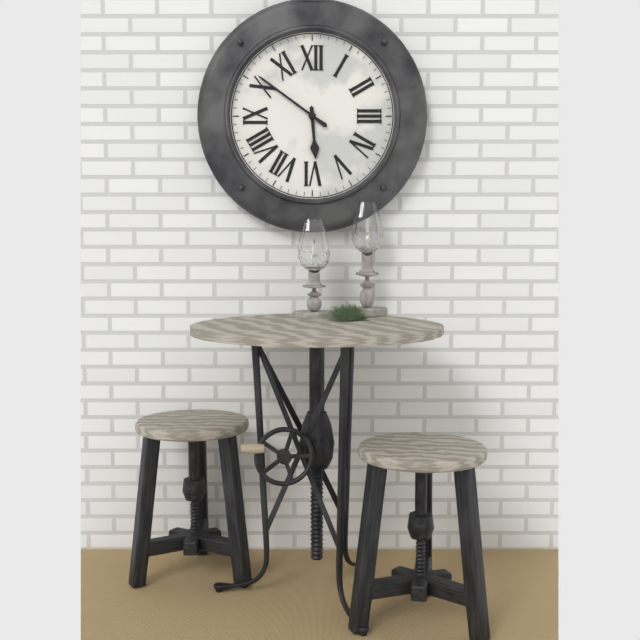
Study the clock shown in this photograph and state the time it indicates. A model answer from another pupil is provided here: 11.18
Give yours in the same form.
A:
5.51
